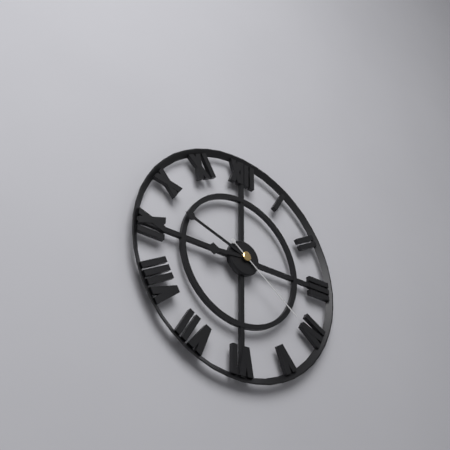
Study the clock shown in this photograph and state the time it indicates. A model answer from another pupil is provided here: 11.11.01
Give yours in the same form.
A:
8.48.21
